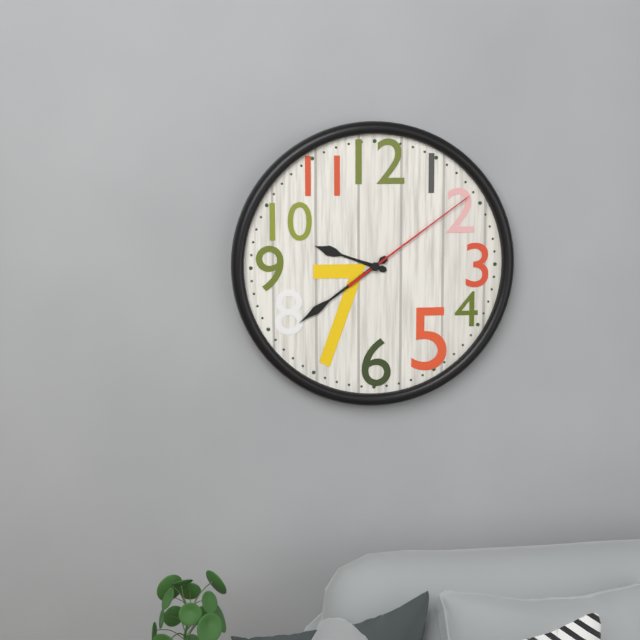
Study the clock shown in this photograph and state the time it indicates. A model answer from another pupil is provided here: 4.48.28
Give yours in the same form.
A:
9.39.09
